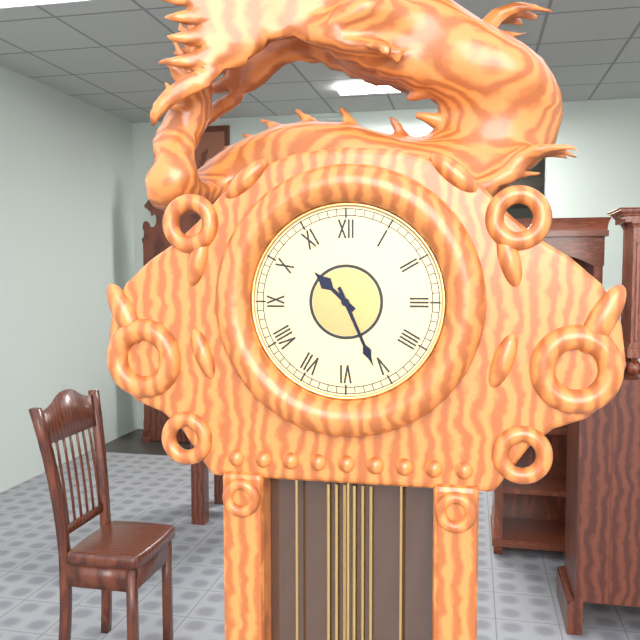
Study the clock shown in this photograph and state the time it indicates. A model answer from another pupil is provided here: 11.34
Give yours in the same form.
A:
10.26
